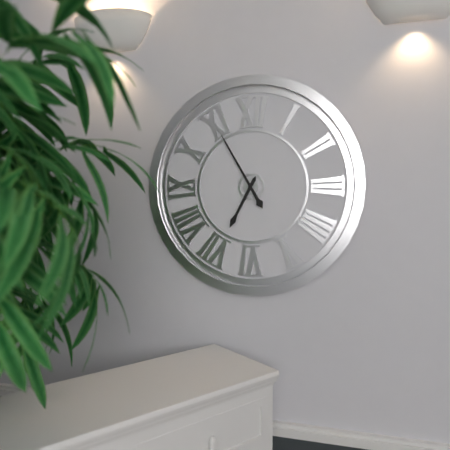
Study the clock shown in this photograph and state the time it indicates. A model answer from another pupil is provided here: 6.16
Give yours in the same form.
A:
6.55
